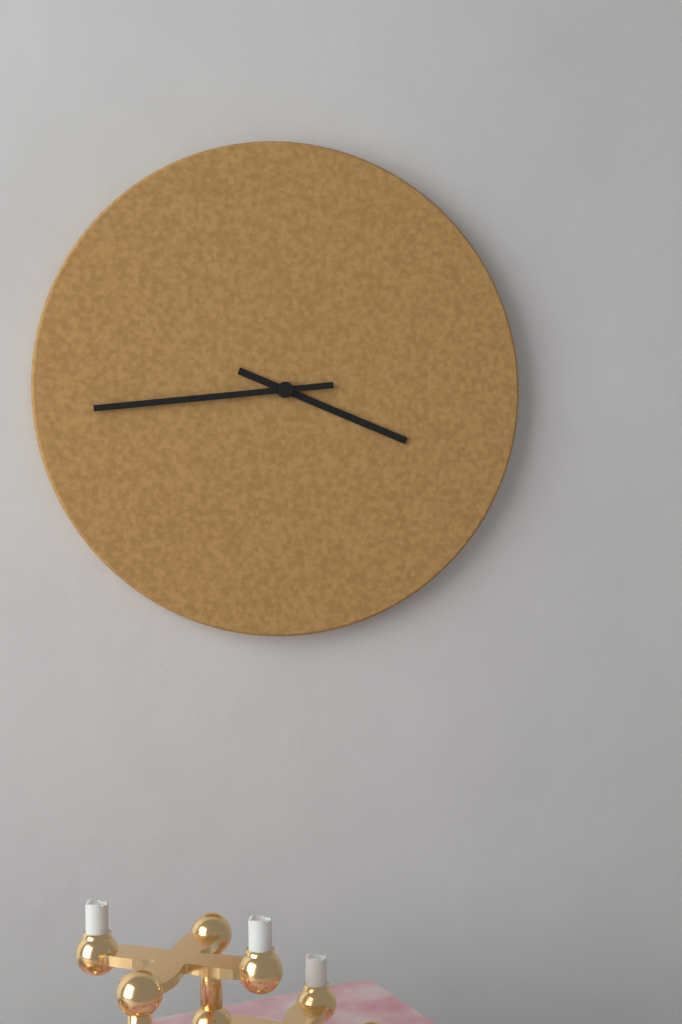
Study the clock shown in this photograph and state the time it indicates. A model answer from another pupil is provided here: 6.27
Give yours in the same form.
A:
3.44
